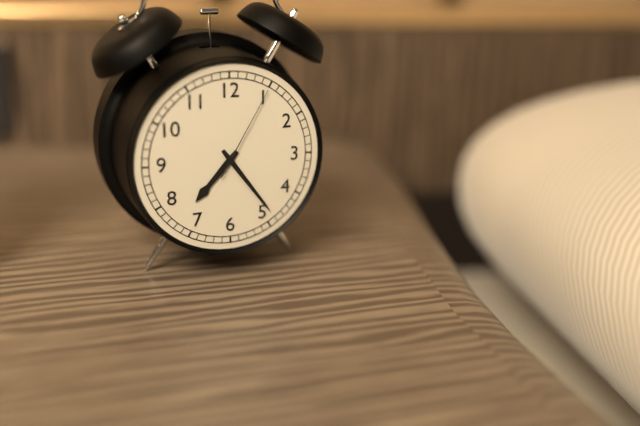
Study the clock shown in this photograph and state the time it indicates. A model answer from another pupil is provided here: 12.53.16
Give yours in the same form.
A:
7.24.05
